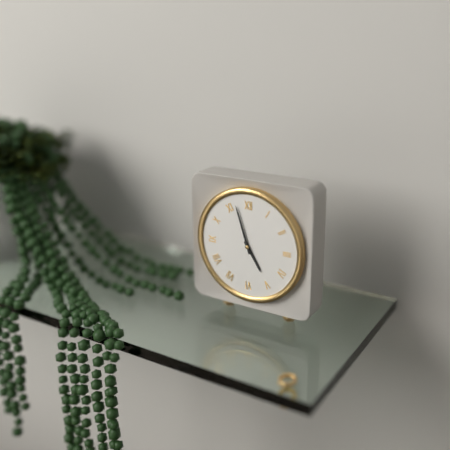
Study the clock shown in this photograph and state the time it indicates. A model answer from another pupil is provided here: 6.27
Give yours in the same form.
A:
4.57
